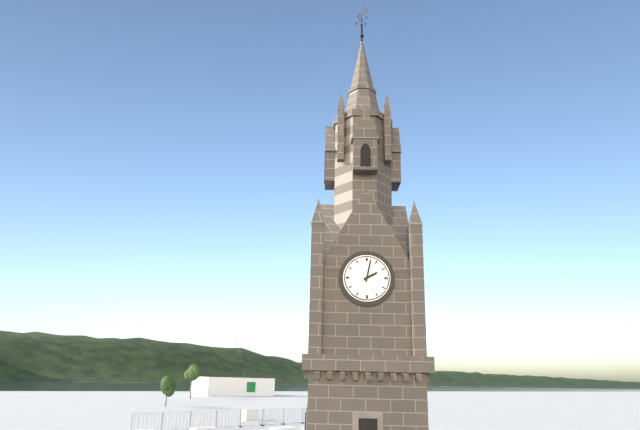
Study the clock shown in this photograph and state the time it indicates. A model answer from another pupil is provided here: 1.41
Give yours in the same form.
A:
2.02
